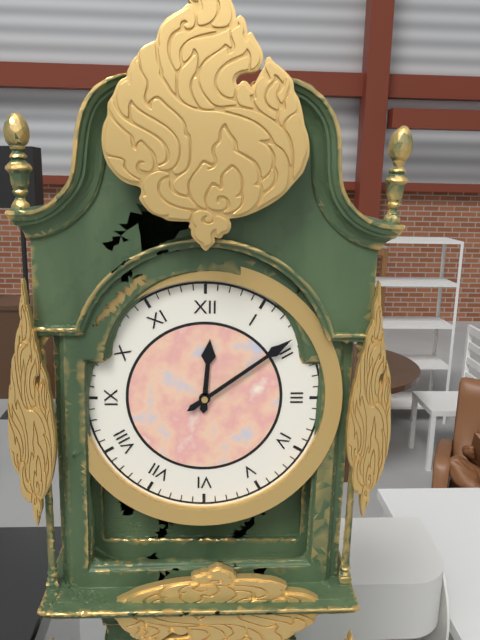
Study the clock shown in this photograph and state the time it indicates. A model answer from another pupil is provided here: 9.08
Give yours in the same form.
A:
12.09
